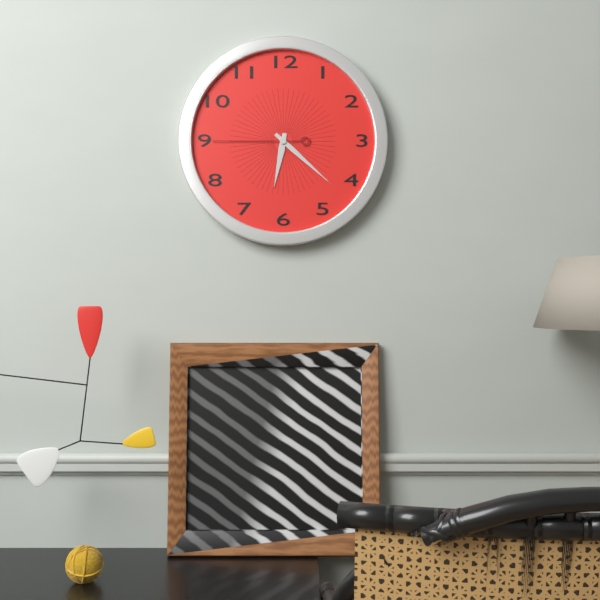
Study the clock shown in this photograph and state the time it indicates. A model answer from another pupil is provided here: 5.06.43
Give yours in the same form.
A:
6.22.45
